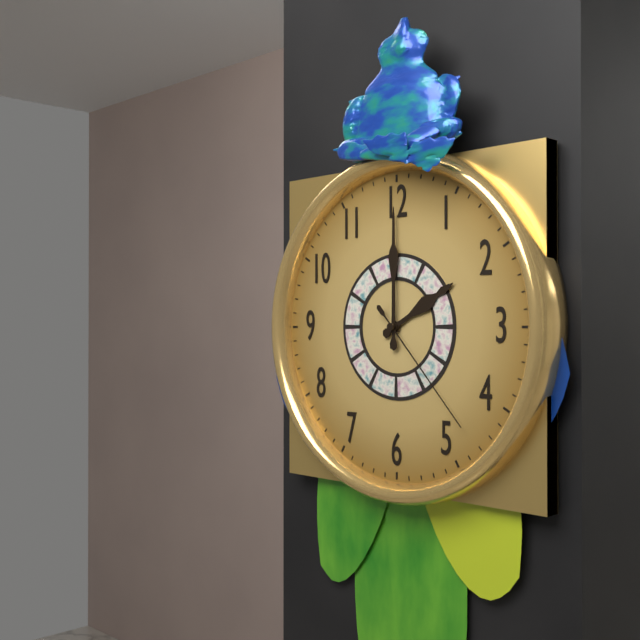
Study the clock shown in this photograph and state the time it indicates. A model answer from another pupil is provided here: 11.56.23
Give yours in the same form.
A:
2.00.23
